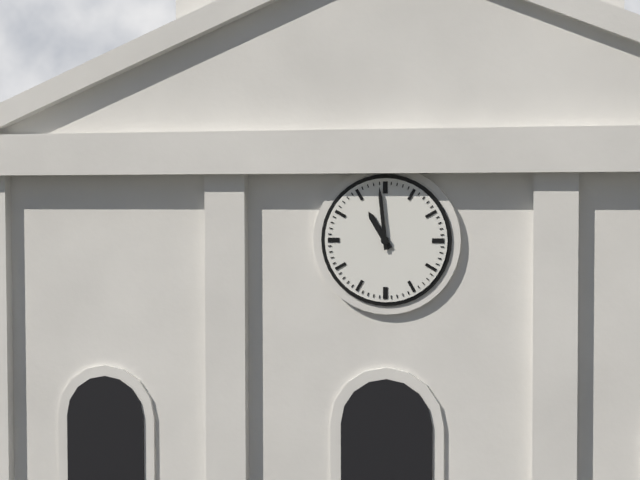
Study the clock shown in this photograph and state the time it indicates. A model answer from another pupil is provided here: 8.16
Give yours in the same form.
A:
10.59
